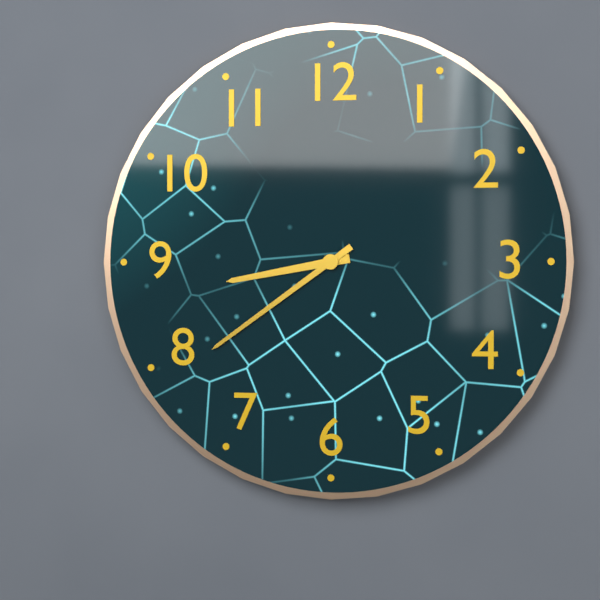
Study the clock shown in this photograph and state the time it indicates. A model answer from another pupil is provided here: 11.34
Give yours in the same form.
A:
8.39
